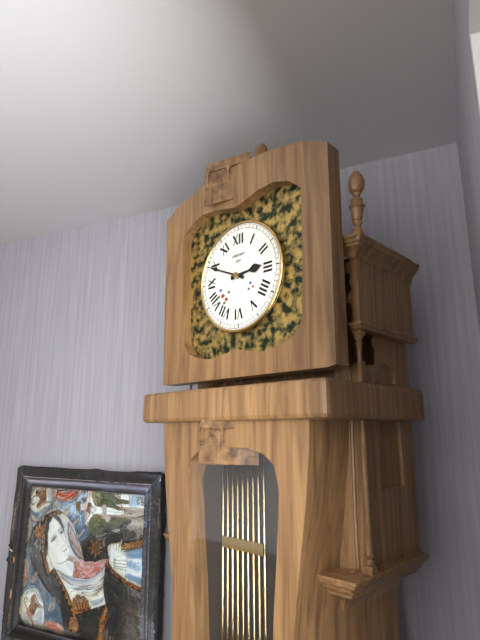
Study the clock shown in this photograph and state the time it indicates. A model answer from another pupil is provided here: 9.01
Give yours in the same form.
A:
2.49
